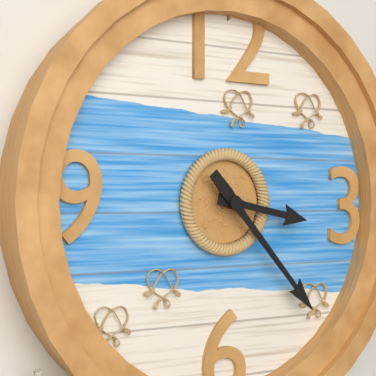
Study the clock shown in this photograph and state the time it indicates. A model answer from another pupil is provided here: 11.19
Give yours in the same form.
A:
3.23
